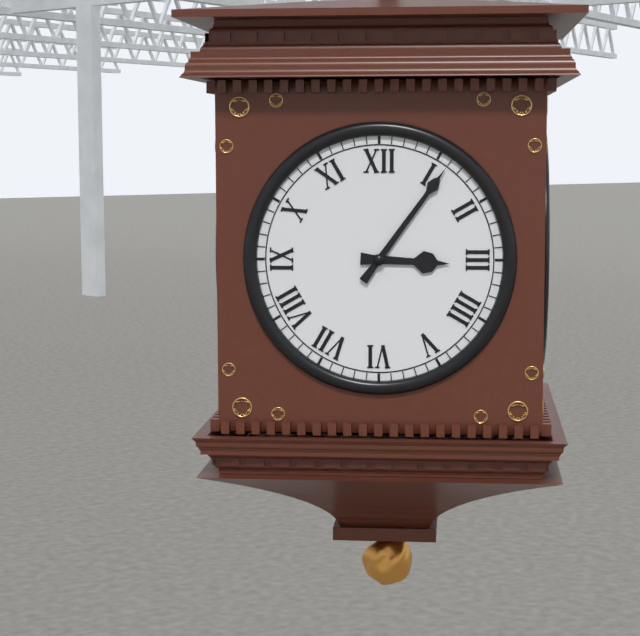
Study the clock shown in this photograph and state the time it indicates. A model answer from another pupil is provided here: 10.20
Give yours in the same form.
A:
3.06
